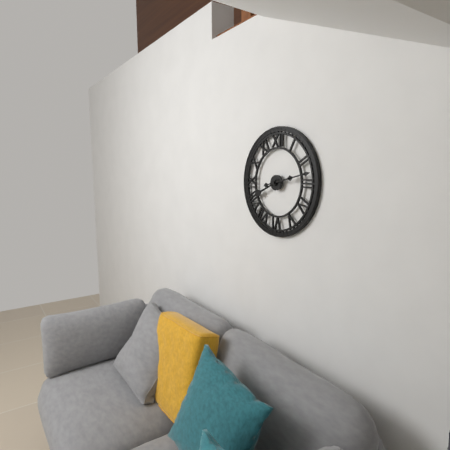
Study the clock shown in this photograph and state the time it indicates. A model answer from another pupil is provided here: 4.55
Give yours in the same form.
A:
8.13
